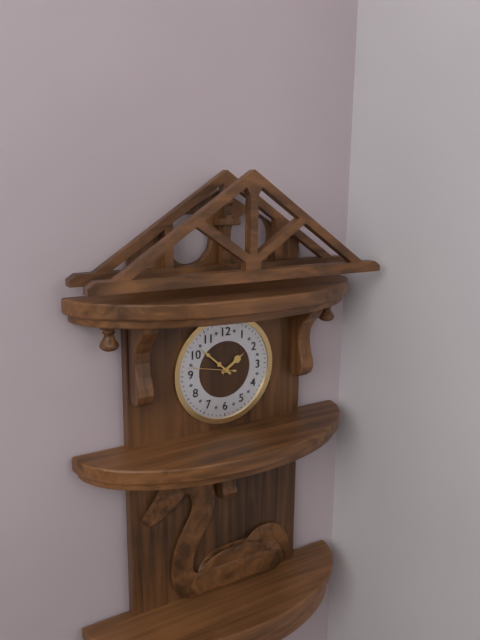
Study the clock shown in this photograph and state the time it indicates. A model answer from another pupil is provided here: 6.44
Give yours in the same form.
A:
1.52
